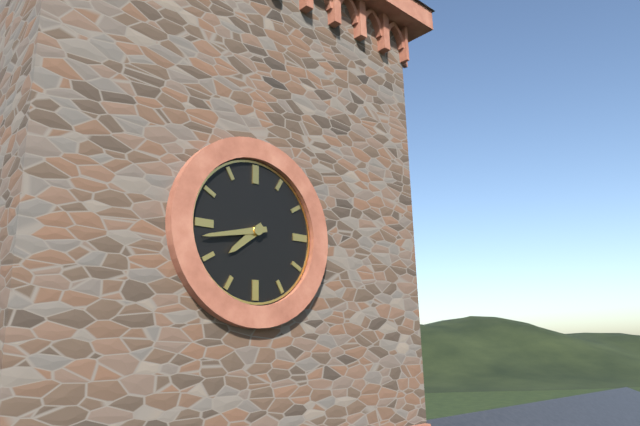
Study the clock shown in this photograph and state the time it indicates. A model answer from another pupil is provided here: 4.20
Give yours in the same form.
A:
7.43
